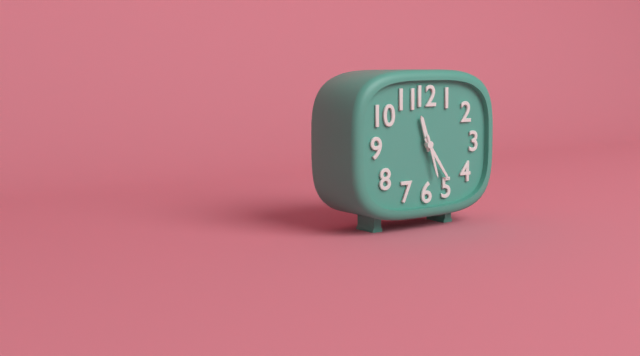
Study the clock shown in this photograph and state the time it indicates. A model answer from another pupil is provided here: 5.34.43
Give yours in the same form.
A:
11.24.27
